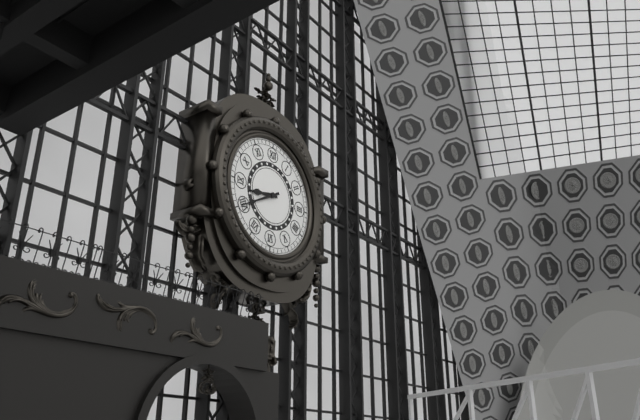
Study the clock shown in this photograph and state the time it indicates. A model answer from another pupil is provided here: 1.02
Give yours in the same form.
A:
8.40
